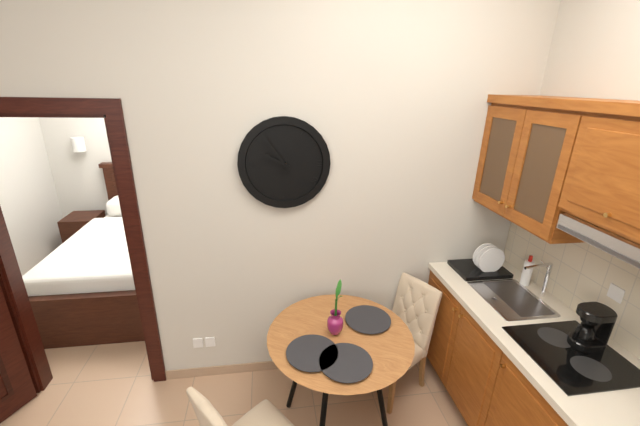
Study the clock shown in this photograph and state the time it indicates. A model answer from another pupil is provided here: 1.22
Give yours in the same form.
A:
9.54
